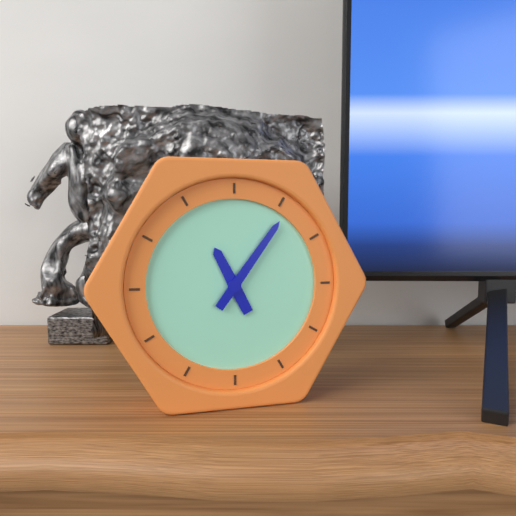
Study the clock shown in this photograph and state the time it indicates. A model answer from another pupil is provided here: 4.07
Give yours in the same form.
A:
11.06
